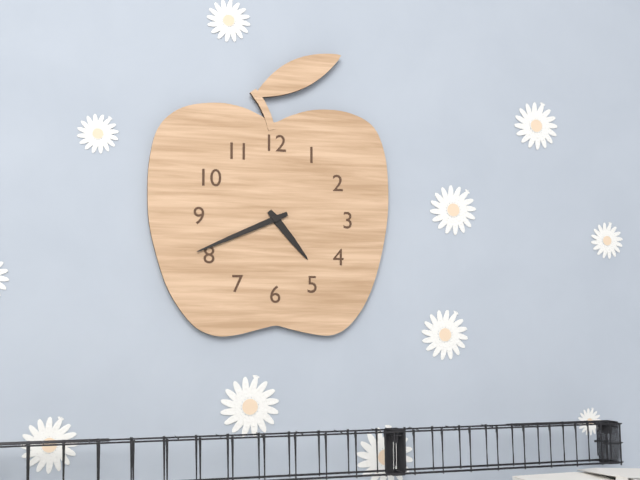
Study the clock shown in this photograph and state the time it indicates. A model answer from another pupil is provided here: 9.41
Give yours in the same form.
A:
4.41
